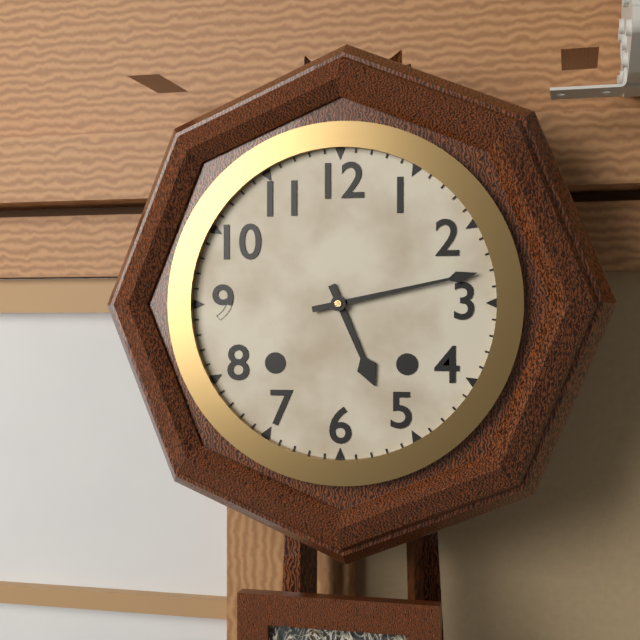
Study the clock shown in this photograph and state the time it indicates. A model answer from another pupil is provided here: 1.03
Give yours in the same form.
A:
5.13
